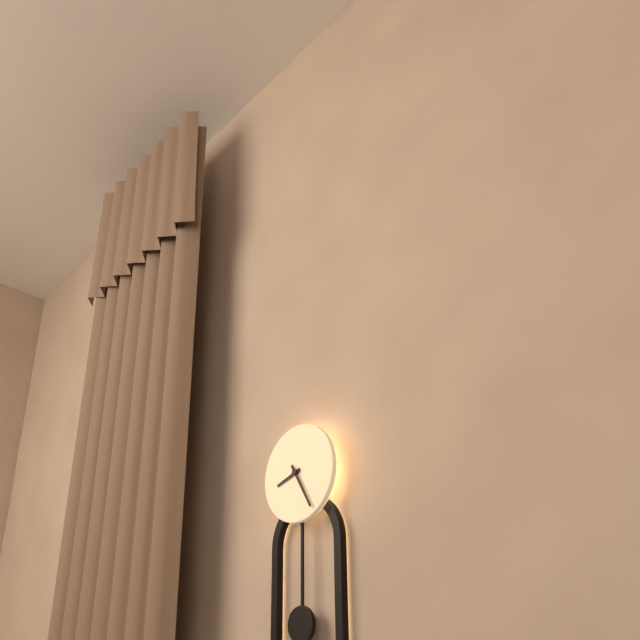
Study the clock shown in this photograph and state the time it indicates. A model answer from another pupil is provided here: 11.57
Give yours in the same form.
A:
8.25
